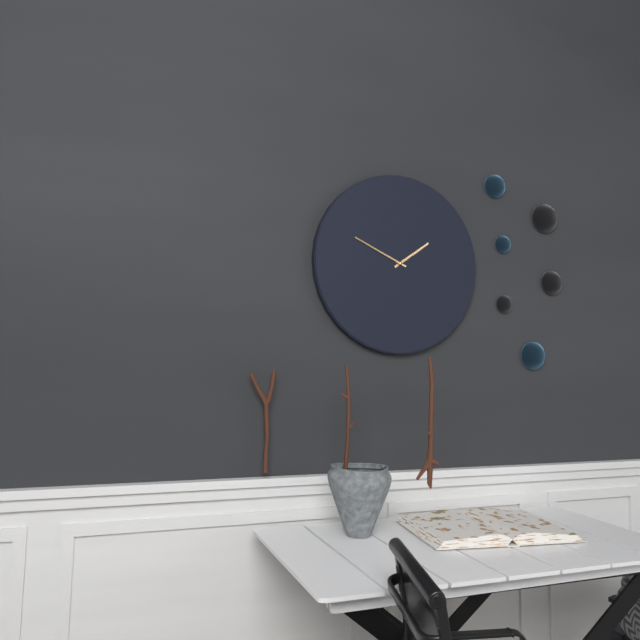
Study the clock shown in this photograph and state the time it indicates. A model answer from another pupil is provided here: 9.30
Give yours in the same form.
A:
1.49
